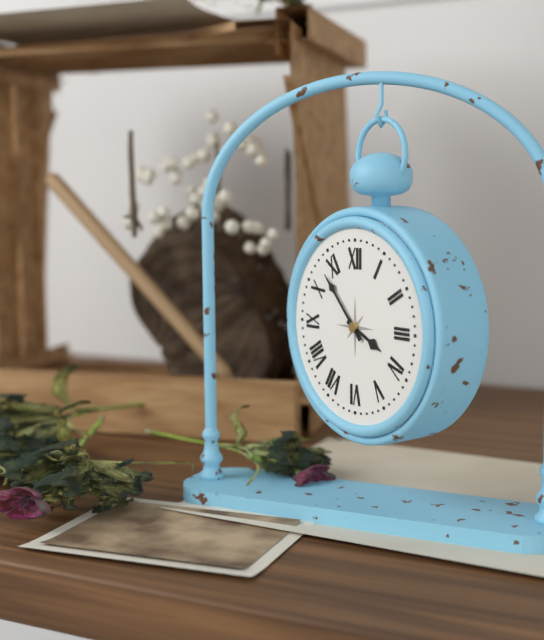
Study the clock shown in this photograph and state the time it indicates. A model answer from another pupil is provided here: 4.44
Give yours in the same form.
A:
3.53
